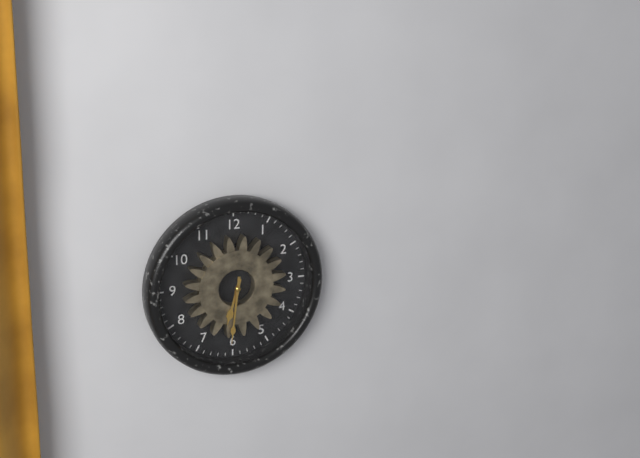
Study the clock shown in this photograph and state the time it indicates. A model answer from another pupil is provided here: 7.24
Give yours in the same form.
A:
6.31
